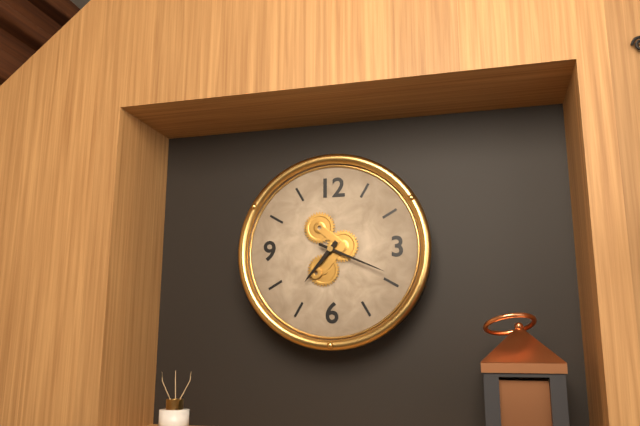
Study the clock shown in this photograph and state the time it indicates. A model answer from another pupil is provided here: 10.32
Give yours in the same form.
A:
7.19
